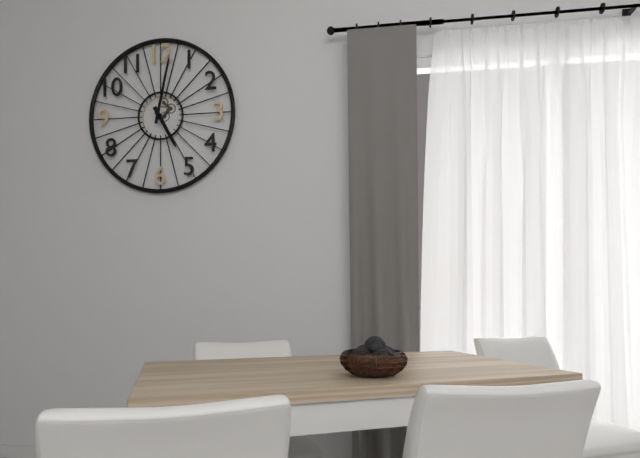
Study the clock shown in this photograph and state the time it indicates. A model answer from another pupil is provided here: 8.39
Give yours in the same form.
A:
5.02
